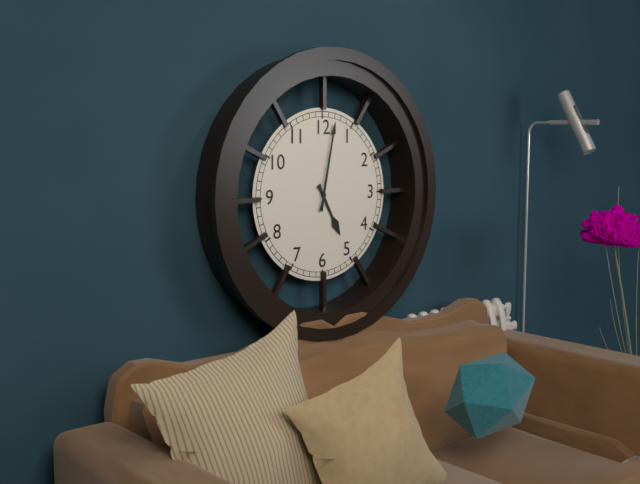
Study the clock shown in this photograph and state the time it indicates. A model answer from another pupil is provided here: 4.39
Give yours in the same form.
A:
5.02
